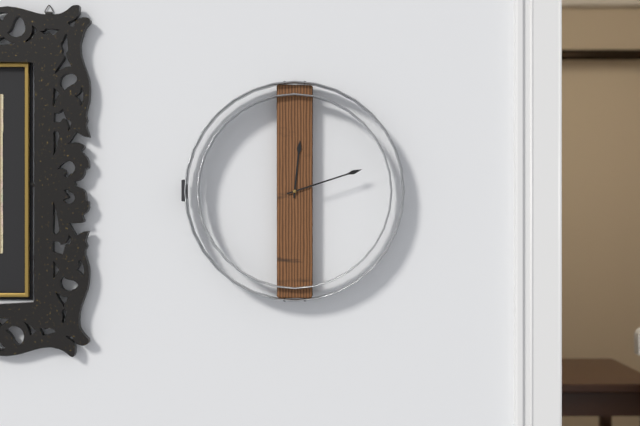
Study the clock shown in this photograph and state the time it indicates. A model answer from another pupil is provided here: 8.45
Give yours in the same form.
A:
12.12
